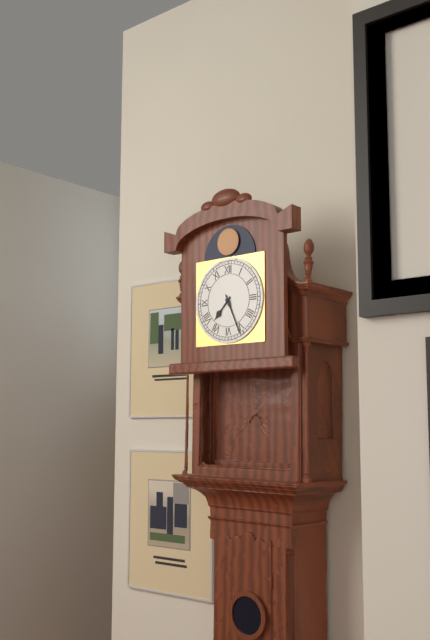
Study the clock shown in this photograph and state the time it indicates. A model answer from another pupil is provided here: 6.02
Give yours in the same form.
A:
7.26
